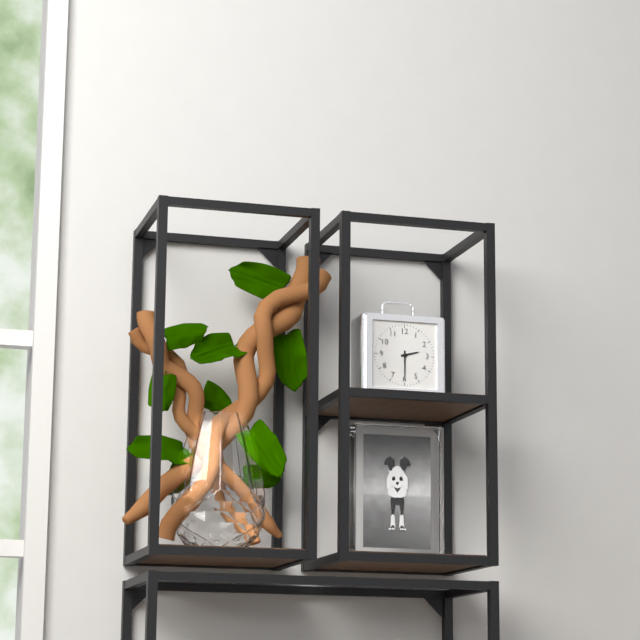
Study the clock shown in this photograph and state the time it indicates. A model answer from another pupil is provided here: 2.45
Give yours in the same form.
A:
2.30
